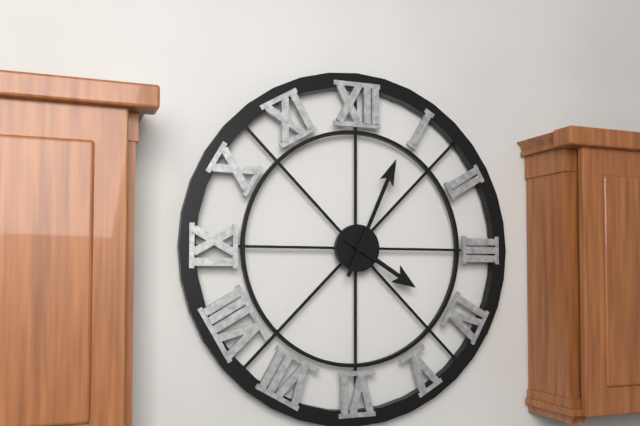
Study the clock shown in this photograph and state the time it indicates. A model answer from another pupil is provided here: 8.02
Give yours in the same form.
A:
4.04
